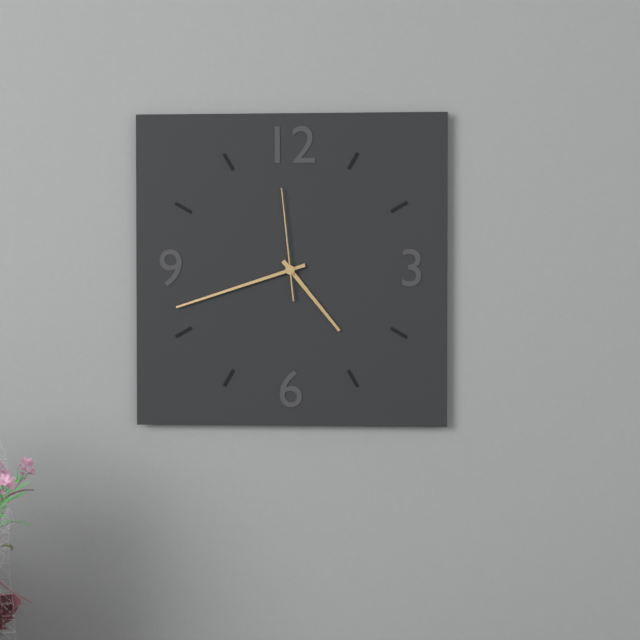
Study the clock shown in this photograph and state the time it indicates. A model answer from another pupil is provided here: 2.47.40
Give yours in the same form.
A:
4.42.59
